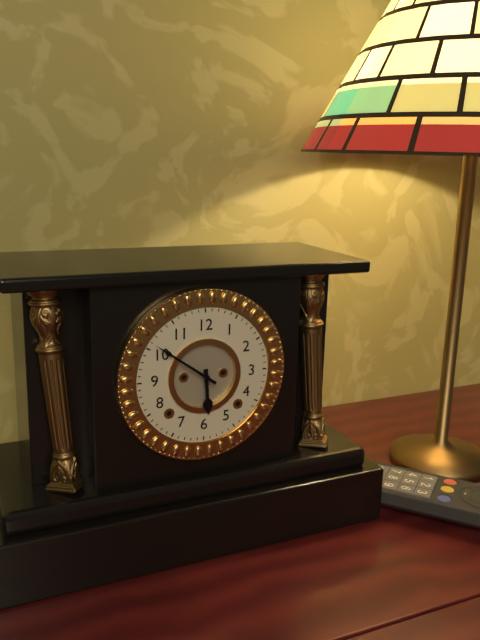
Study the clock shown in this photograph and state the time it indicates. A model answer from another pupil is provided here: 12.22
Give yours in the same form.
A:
5.51
